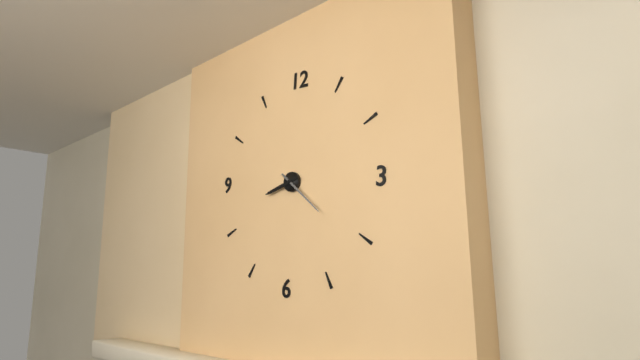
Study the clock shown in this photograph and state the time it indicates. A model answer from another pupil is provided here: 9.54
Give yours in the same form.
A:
8.21
